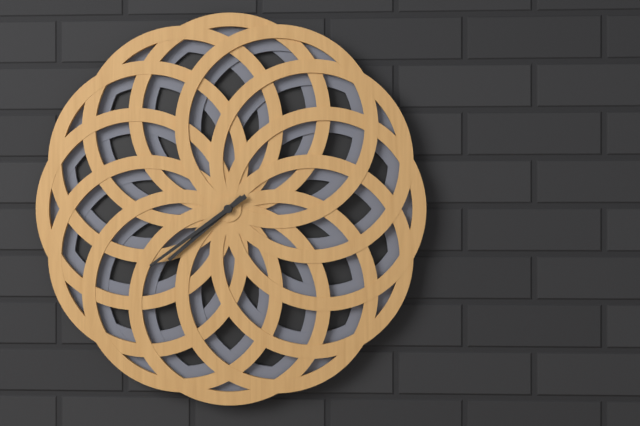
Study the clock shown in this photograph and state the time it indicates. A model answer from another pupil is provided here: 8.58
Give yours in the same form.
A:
7.39
